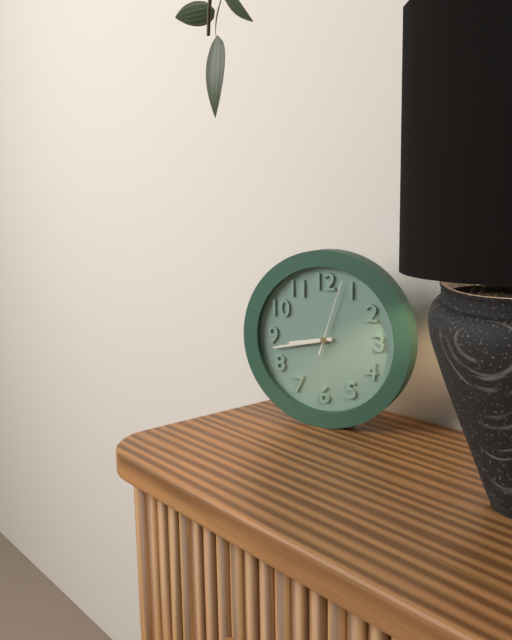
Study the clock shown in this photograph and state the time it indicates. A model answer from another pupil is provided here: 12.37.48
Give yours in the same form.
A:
8.43.03
